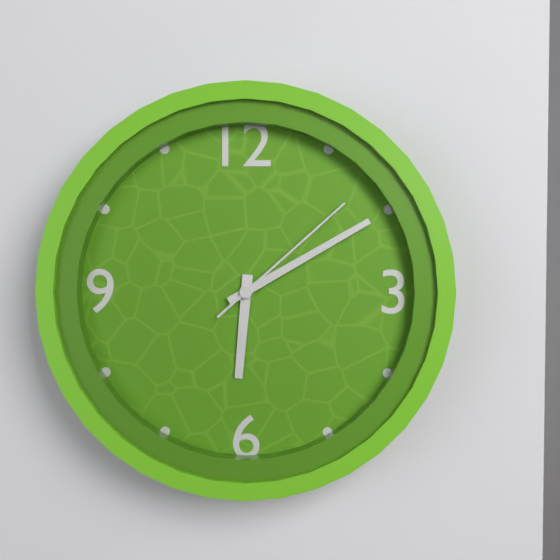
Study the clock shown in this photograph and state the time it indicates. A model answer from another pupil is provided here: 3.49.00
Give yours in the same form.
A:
6.10.08
